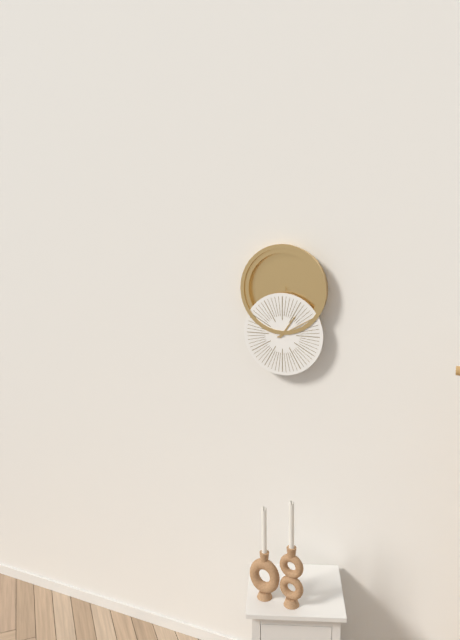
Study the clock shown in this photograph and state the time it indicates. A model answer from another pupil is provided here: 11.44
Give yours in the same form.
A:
1.10
